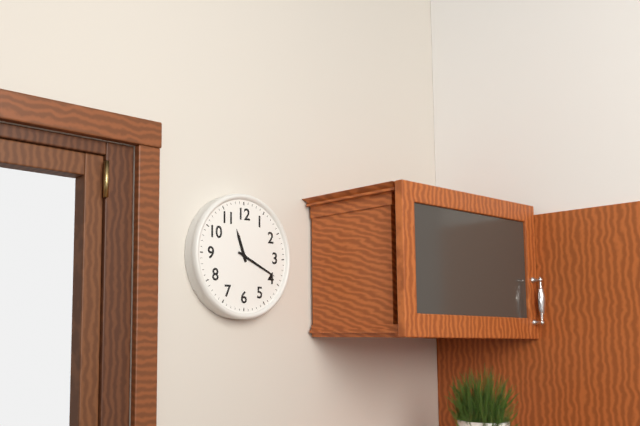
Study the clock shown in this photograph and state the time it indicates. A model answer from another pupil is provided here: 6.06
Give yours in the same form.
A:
11.19
